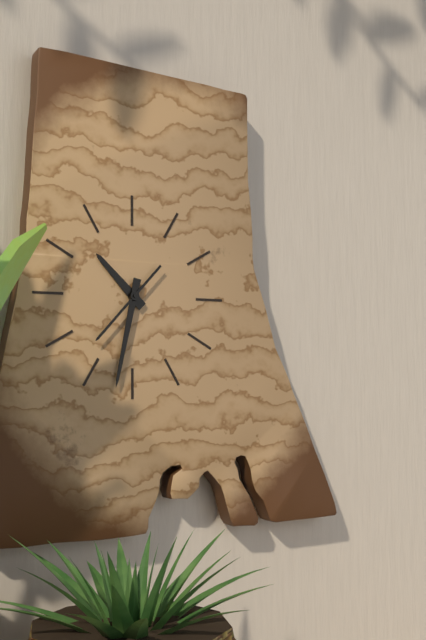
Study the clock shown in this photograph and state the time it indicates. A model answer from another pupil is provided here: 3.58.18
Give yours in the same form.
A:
10.32.37
